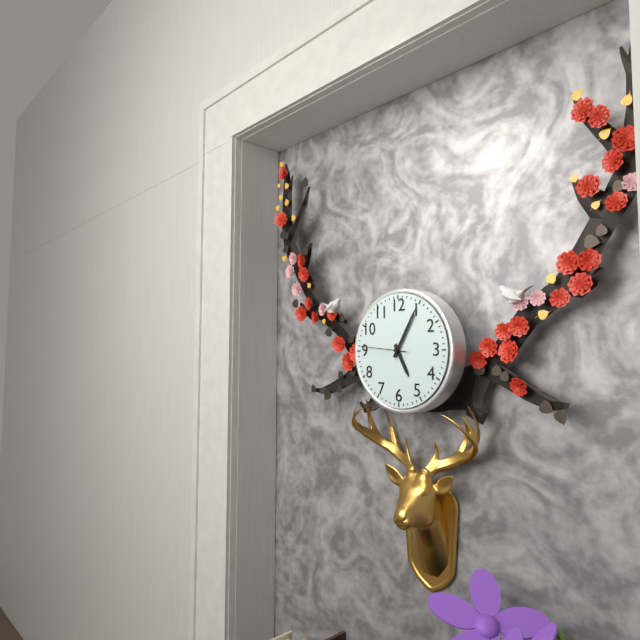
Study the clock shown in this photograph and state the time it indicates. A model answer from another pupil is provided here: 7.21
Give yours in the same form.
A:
5.05
